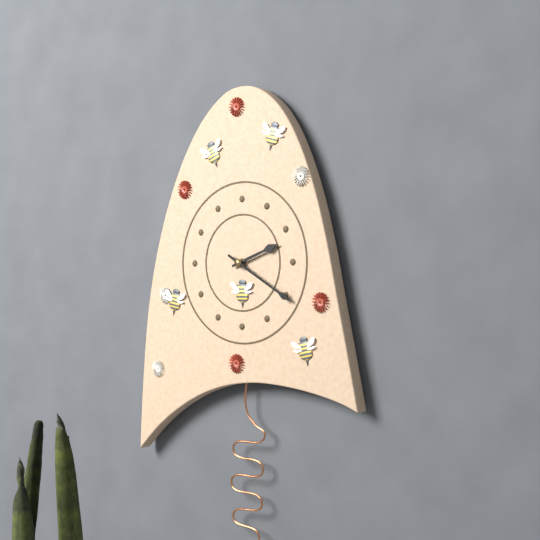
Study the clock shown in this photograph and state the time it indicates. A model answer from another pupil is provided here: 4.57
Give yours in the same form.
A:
2.20
